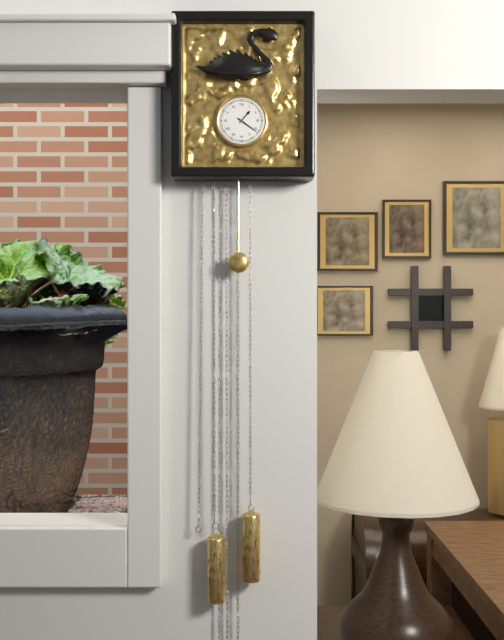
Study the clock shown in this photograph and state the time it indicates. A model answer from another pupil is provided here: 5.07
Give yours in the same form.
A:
1.21
